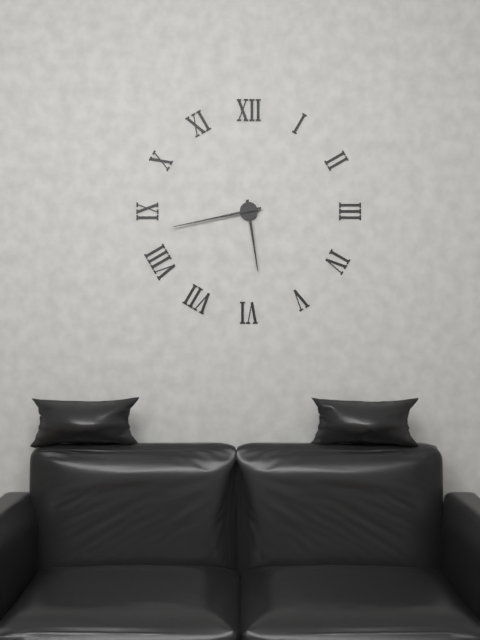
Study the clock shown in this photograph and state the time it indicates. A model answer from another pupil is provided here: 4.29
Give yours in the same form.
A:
5.43
